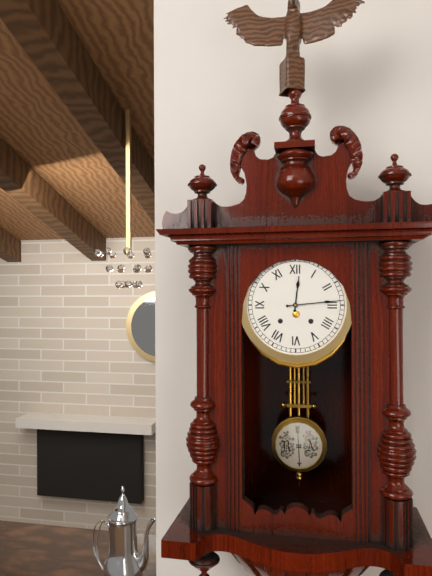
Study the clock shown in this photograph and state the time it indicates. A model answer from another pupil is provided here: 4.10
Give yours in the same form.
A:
12.14
